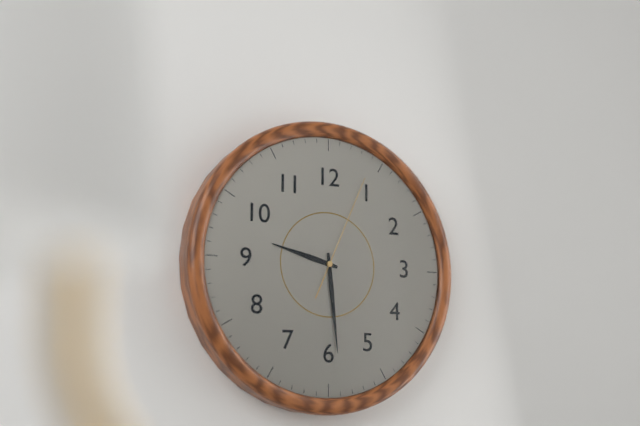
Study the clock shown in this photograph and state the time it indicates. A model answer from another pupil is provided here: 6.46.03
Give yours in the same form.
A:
9.29.04
